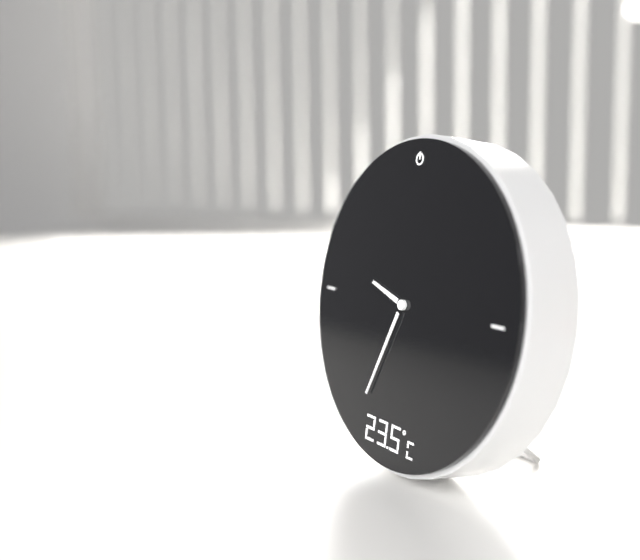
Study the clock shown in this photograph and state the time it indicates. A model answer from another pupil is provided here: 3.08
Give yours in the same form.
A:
9.34
